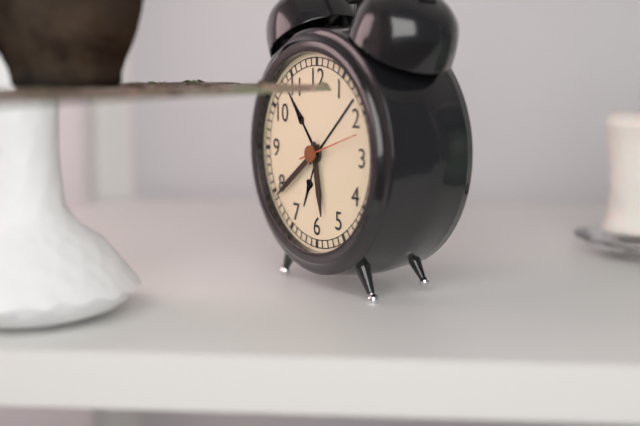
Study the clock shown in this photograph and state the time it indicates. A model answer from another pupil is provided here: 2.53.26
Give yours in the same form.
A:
5.39.12
